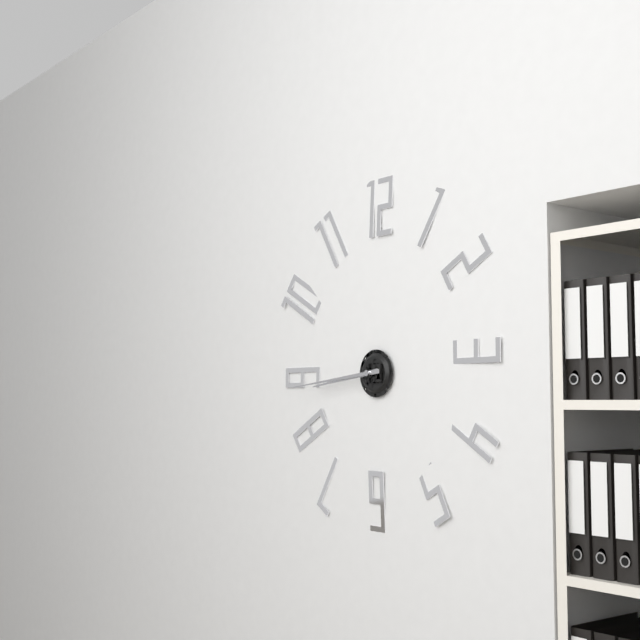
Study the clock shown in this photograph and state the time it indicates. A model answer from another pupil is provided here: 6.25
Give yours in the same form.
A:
8.44
